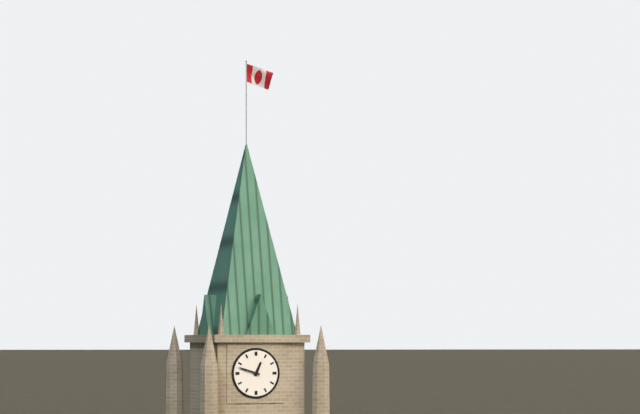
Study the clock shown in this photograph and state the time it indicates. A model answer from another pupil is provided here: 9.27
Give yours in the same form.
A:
12.48
